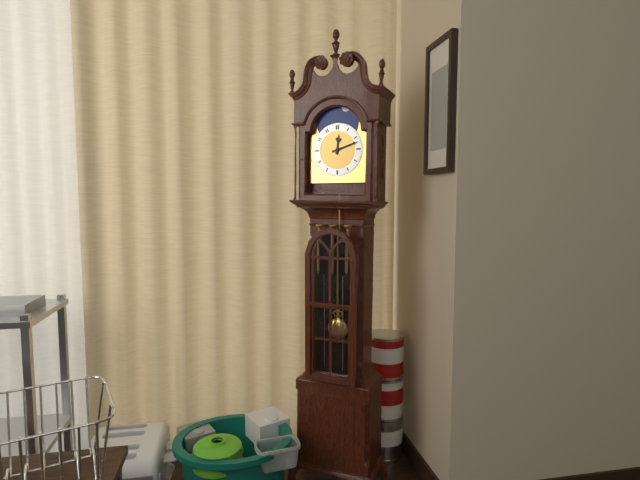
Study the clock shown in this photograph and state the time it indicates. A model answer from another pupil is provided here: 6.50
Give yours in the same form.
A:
12.12
